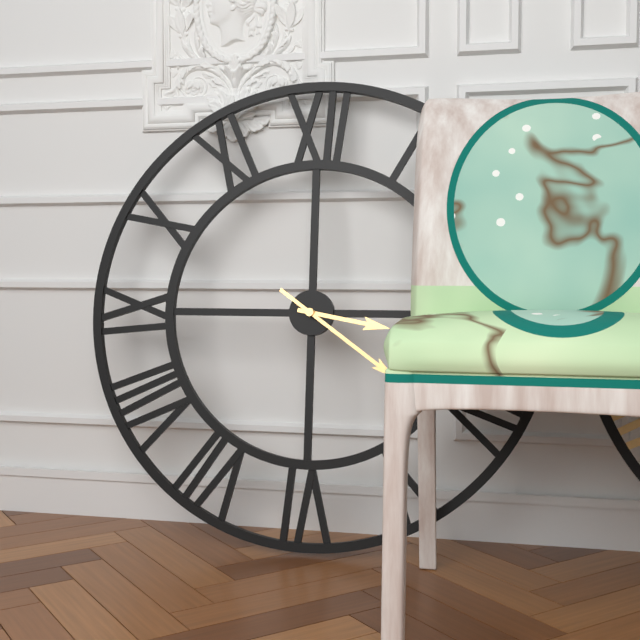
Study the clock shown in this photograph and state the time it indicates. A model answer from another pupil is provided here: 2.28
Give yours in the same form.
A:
3.21
